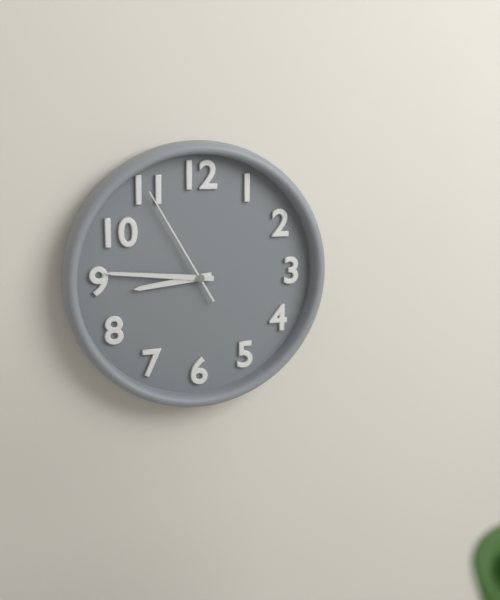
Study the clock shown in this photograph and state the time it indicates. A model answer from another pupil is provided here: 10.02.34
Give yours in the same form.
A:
8.46.55
